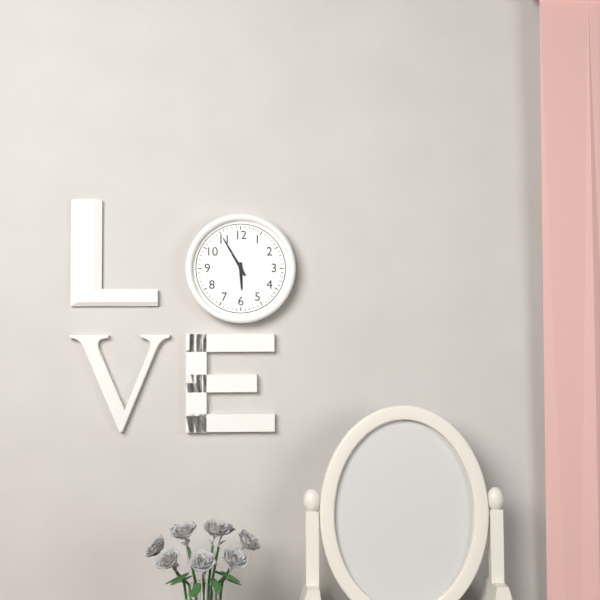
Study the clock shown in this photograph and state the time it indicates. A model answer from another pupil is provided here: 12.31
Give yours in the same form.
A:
5.55
